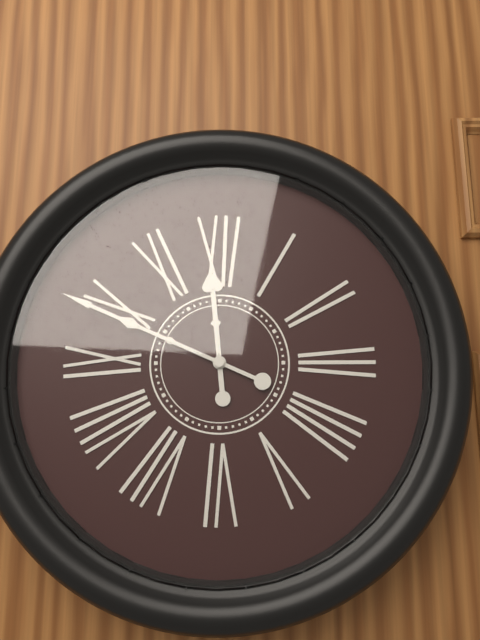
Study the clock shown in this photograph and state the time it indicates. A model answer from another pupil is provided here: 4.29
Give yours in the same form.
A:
11.49
